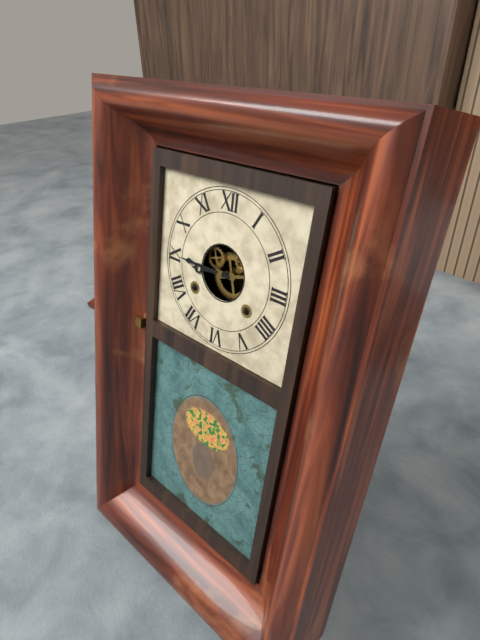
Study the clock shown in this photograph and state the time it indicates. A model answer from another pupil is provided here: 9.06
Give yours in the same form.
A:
8.45
